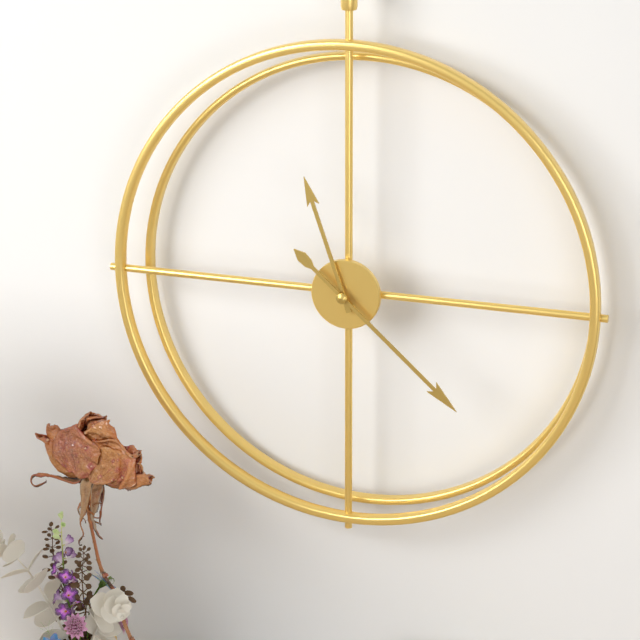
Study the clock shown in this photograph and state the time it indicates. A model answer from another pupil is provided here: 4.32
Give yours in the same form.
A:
11.22
